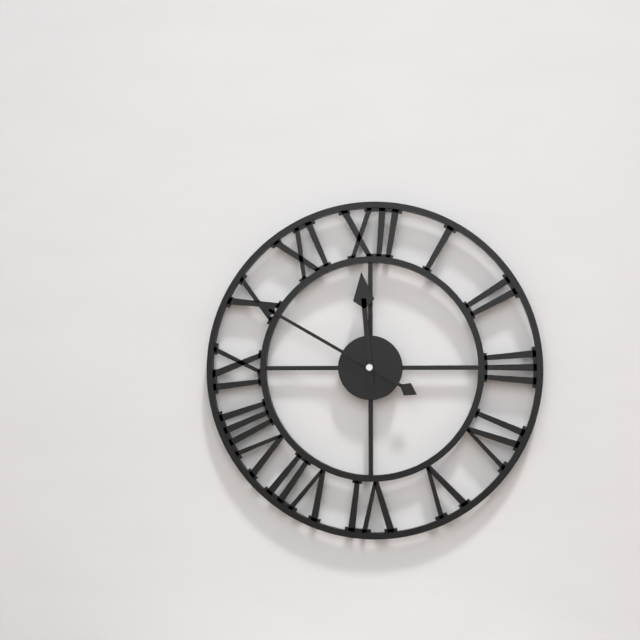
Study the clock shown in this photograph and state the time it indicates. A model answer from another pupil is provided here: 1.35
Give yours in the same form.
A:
11.50
